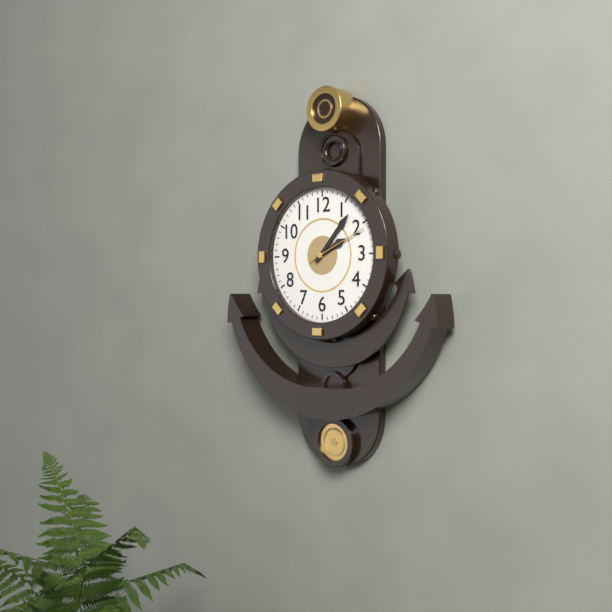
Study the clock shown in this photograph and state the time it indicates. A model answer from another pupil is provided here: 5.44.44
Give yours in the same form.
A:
2.07.11
